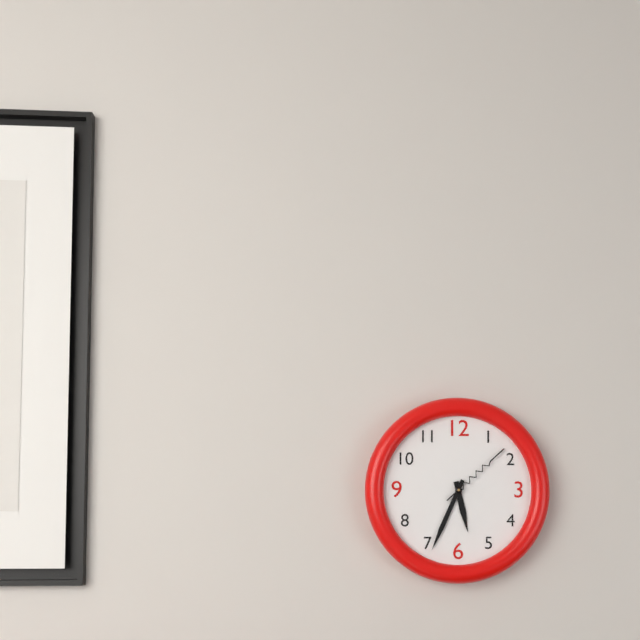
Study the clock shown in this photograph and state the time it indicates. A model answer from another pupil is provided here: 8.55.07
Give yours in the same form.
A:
5.34.08
